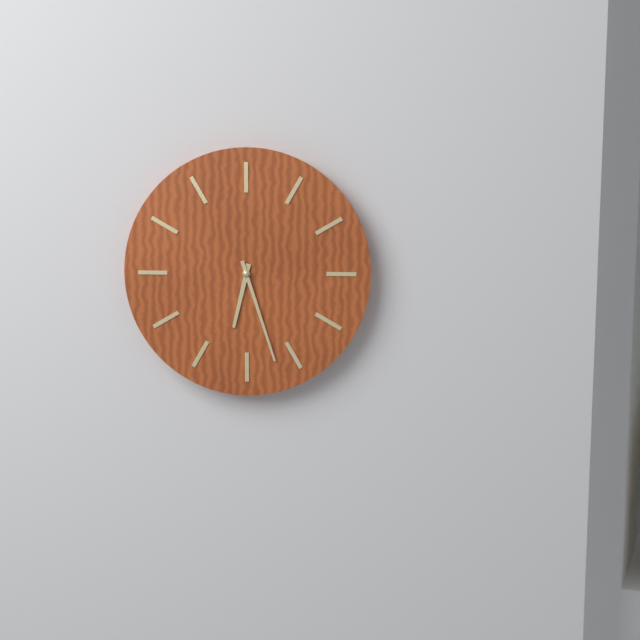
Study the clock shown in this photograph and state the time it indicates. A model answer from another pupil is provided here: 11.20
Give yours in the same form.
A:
6.27
